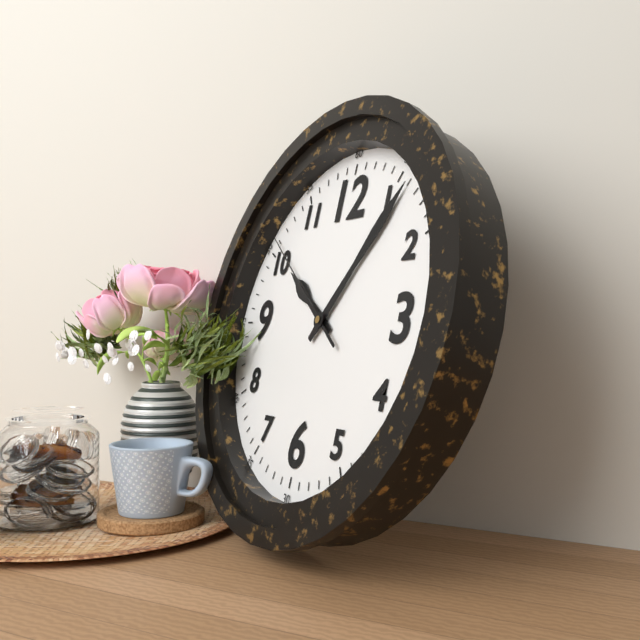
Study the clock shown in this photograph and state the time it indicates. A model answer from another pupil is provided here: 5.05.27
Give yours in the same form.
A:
10.06.51
